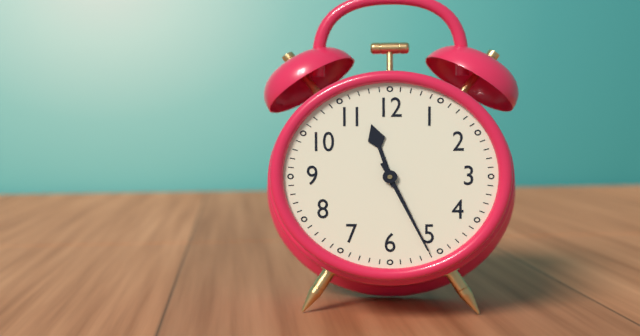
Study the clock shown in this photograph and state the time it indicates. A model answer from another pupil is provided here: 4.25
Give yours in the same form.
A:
11.26
